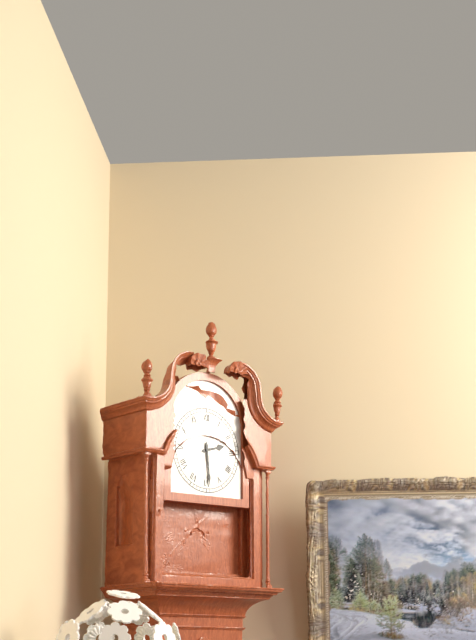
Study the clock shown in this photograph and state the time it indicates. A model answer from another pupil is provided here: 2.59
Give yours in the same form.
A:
2.29
